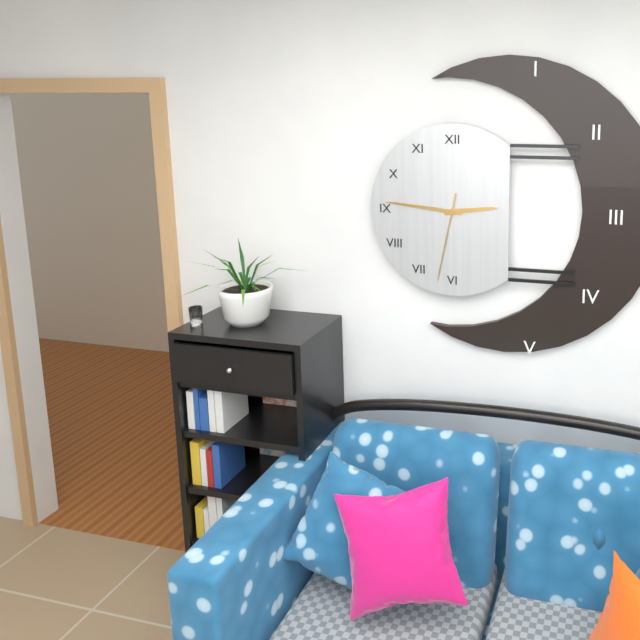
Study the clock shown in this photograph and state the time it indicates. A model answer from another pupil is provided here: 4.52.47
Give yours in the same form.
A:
2.46.32
